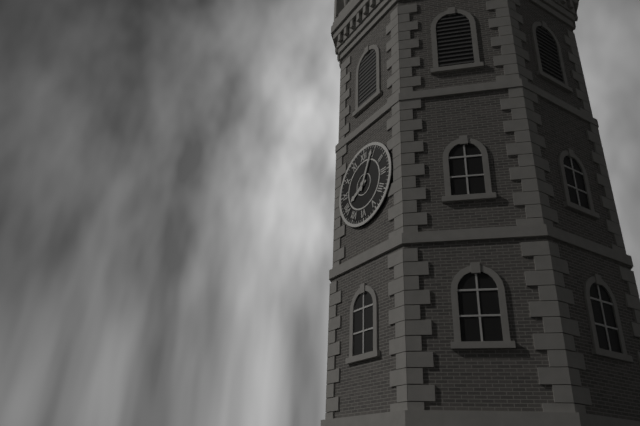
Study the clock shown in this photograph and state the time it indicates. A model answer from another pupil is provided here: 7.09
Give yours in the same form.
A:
8.04
